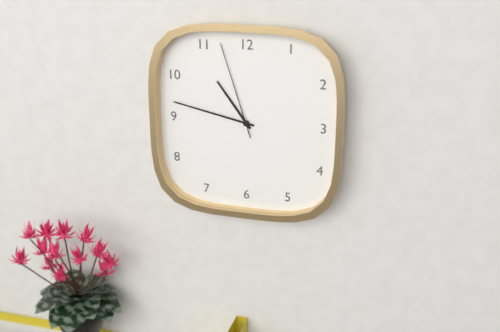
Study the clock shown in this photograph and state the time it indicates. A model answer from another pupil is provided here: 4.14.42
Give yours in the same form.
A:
10.47.57
